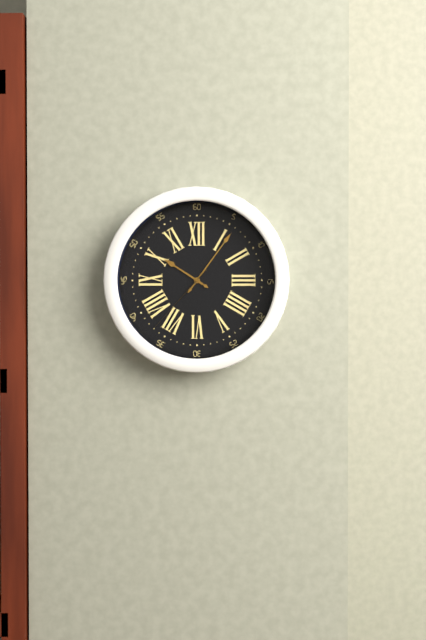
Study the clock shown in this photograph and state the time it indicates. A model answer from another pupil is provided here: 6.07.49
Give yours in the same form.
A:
10.06.37
